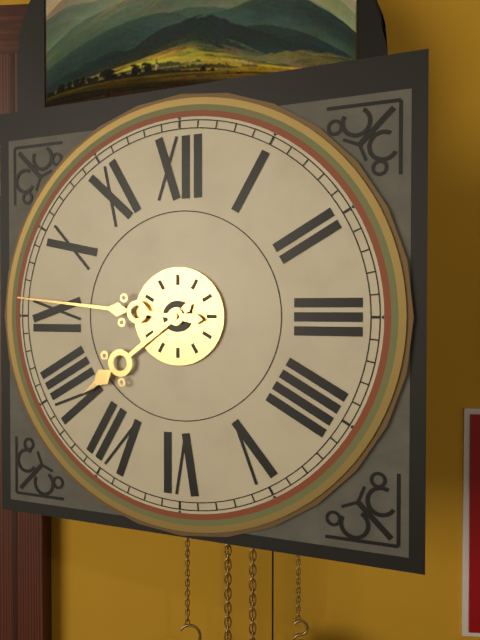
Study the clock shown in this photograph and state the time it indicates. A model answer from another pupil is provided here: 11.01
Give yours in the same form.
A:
7.46
